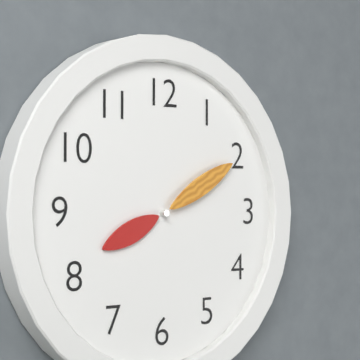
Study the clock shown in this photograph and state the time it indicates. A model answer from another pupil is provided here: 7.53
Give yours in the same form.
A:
8.10
